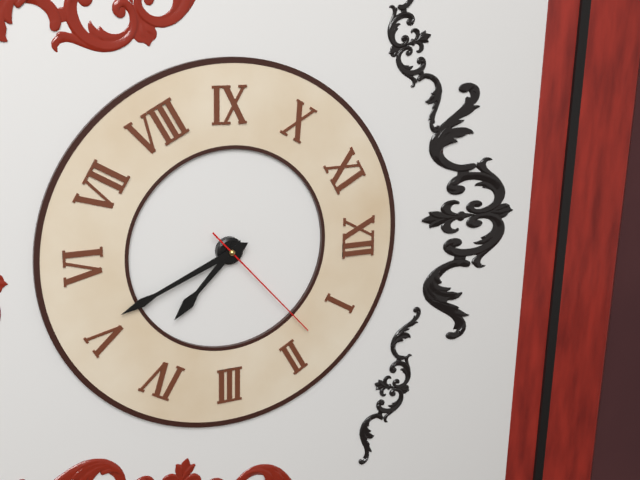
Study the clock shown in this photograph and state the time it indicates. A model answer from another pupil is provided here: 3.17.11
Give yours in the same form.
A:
4.26.08
